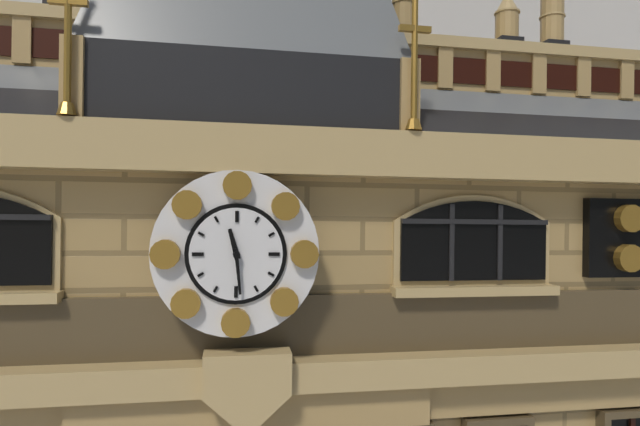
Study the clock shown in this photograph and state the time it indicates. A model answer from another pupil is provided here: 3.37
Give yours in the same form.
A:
11.29
